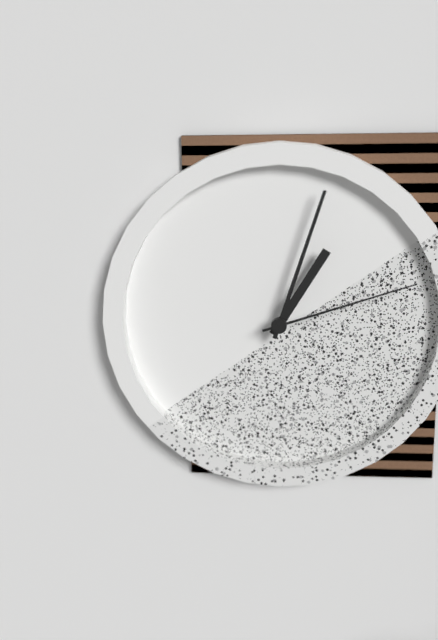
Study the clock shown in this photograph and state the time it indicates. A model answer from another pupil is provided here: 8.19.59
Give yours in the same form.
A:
1.03.12
